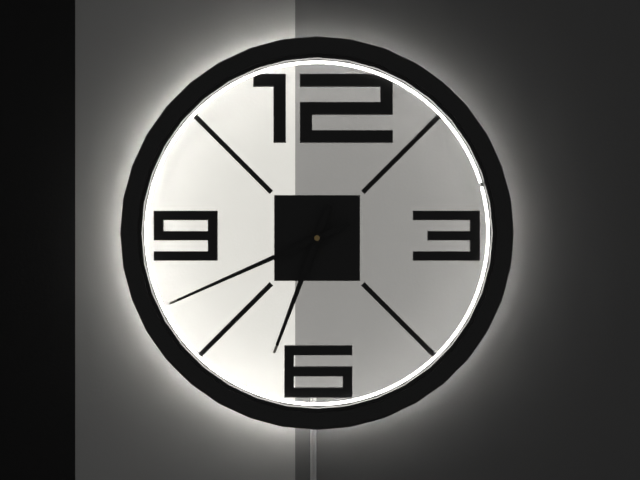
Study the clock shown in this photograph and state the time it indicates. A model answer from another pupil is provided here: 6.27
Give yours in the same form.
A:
6.41
